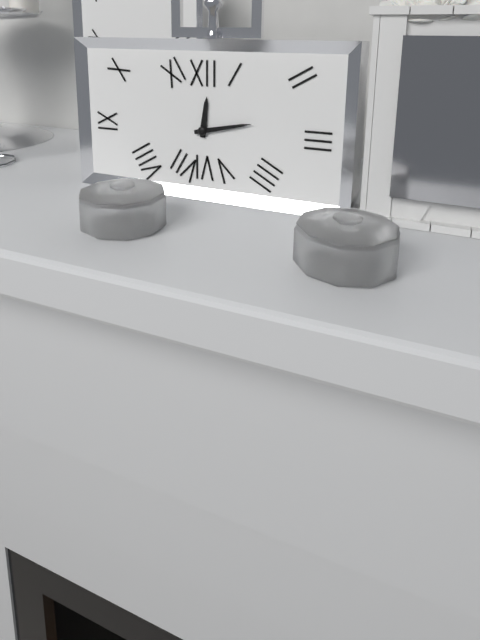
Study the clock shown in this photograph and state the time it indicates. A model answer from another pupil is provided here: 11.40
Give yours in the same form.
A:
12.13
